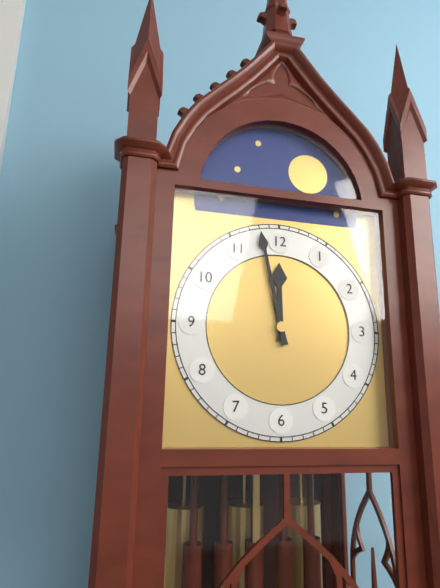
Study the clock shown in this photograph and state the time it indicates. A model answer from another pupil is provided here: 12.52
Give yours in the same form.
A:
11.58
